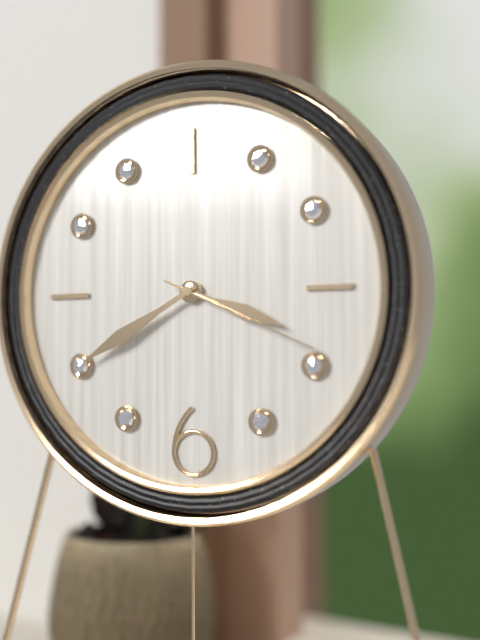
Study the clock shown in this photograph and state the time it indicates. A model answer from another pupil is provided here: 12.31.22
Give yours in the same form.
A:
3.40.19
